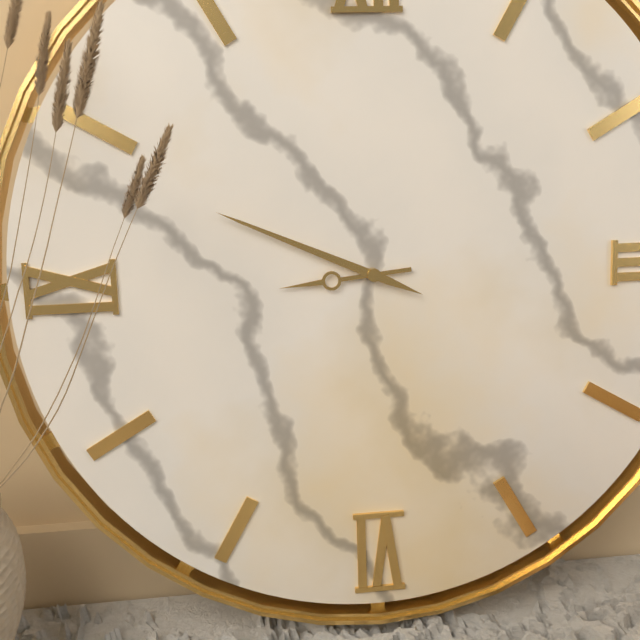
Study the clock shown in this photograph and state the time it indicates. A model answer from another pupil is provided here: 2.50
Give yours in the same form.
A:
8.49
